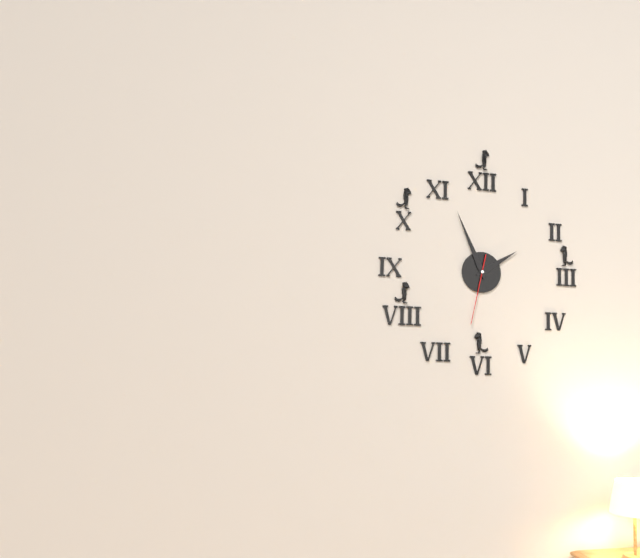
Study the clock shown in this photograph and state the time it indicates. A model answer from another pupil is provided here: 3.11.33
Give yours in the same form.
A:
1.56.32
